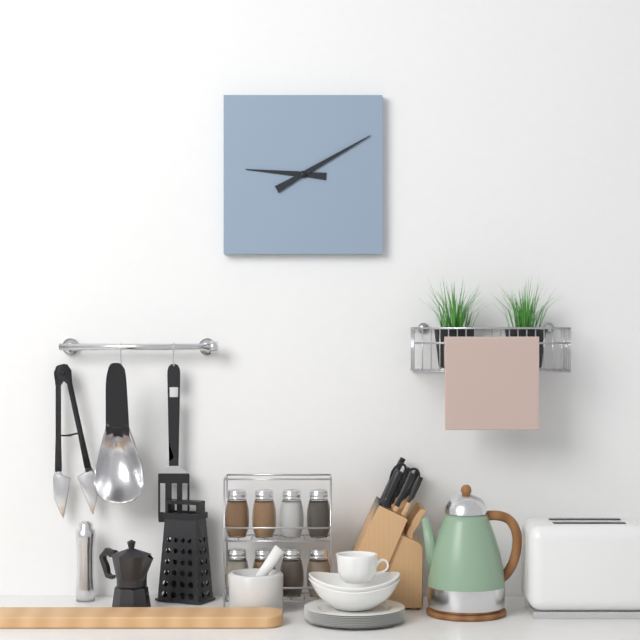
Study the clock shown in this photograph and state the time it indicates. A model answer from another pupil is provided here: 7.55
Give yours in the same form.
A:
9.10
